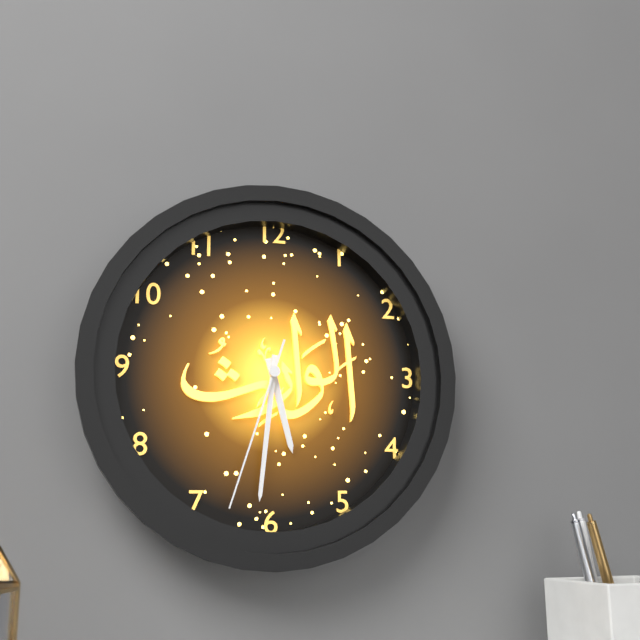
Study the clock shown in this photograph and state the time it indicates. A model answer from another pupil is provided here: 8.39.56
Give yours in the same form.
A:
5.31.33
